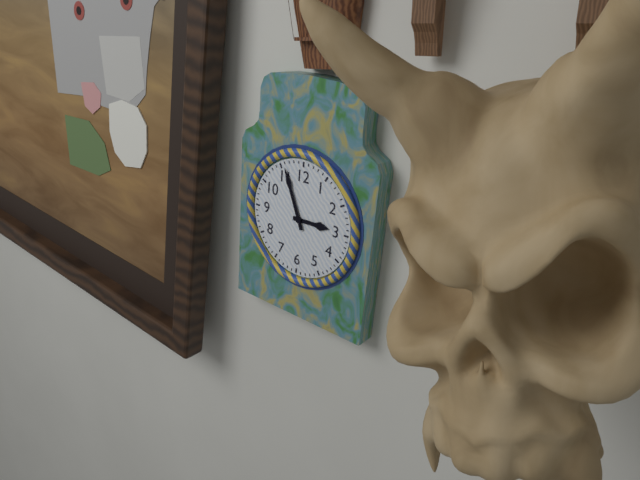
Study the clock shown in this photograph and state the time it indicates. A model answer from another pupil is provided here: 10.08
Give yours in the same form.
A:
2.56
